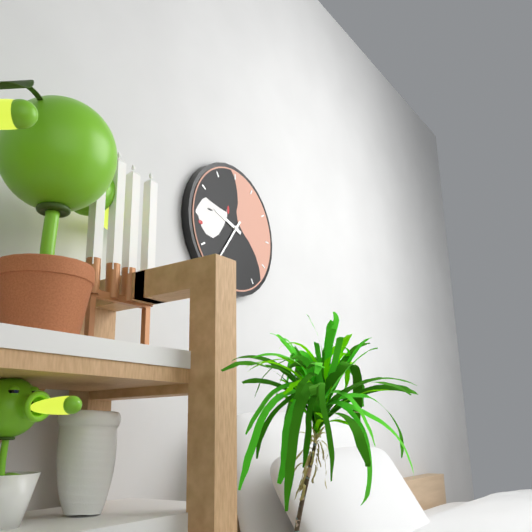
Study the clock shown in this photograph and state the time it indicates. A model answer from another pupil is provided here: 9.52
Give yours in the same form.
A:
9.36
